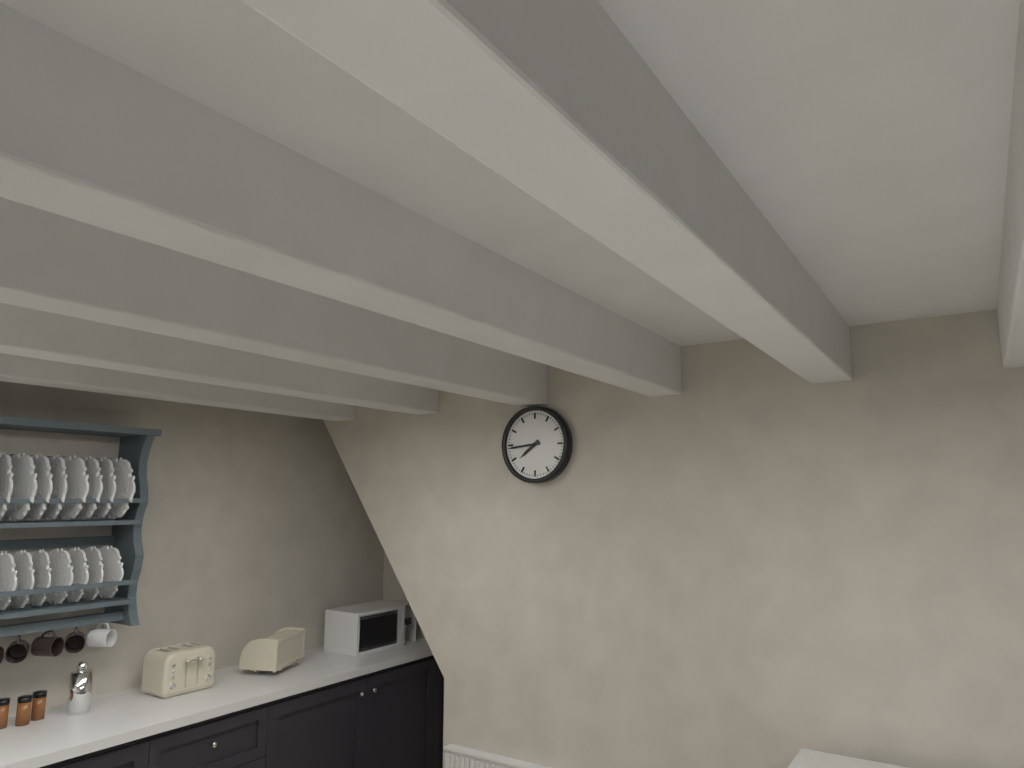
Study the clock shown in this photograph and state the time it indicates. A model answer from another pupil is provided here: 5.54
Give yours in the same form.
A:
7.44
